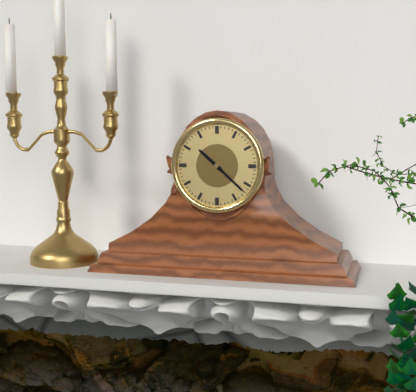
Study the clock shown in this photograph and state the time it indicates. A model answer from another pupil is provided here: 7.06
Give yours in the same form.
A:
10.22
